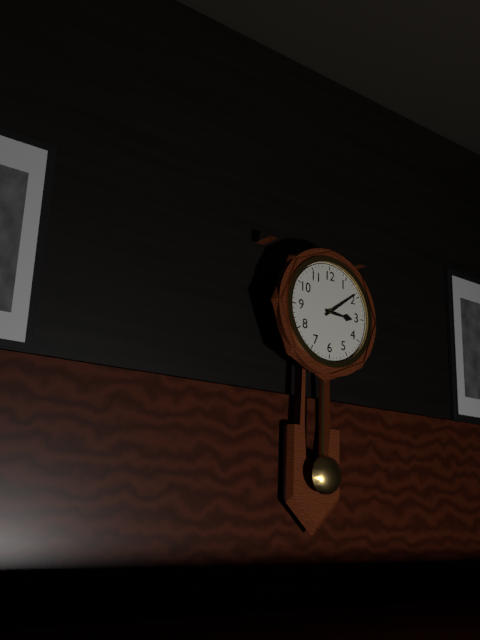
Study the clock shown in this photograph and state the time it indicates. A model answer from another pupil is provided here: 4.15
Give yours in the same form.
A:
3.09
